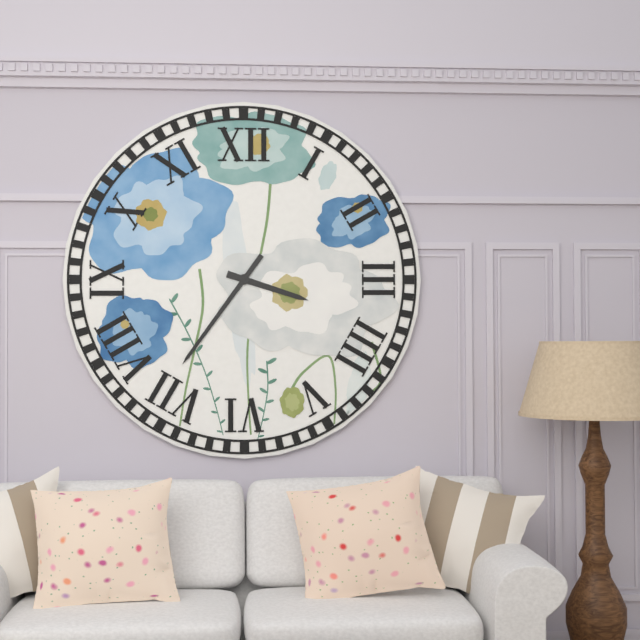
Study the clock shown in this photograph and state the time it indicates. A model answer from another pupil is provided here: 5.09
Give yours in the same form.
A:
3.36
